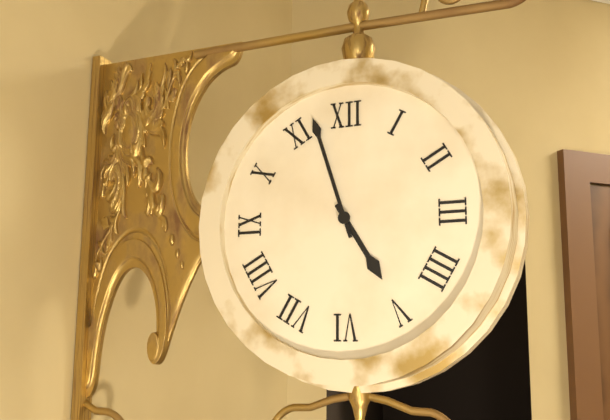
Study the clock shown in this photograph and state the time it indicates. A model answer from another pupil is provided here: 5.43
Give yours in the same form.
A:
4.57
